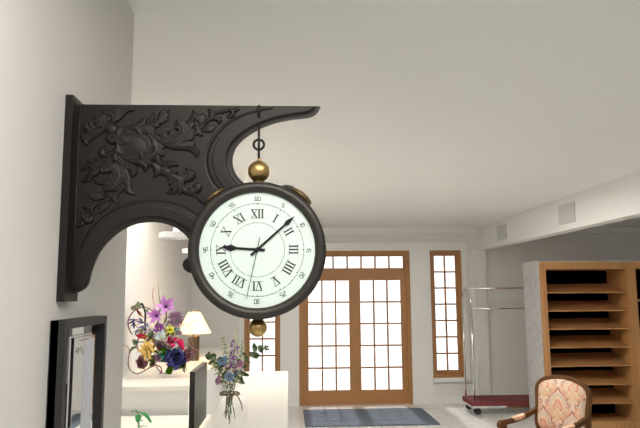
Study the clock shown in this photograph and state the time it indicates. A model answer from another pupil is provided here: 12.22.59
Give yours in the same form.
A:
9.08.32
